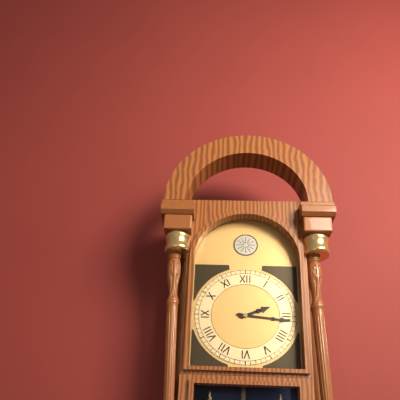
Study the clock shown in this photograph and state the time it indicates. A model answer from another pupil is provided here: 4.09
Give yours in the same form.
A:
2.16
